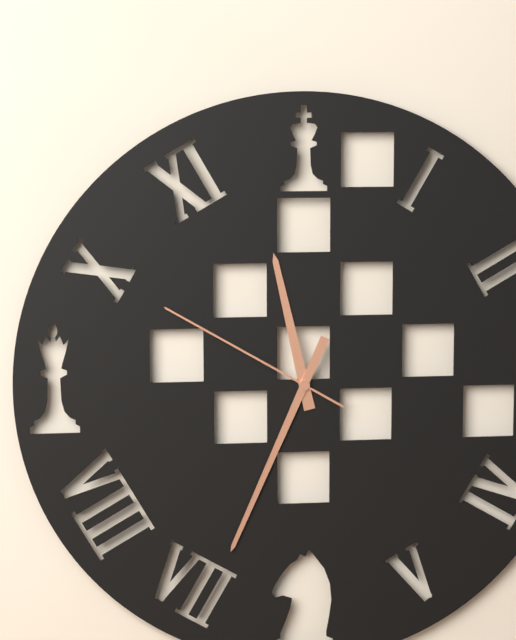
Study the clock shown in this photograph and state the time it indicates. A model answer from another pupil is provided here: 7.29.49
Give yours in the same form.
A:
11.34.50
